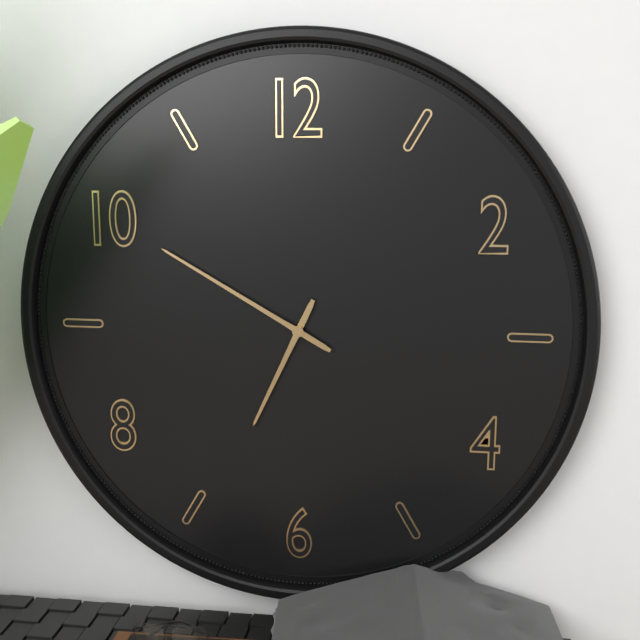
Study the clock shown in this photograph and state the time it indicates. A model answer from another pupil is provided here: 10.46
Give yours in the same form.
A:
6.50
